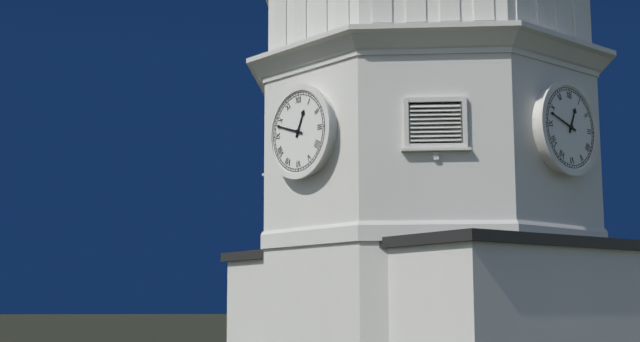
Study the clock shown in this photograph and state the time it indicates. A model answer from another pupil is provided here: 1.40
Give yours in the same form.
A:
12.48
